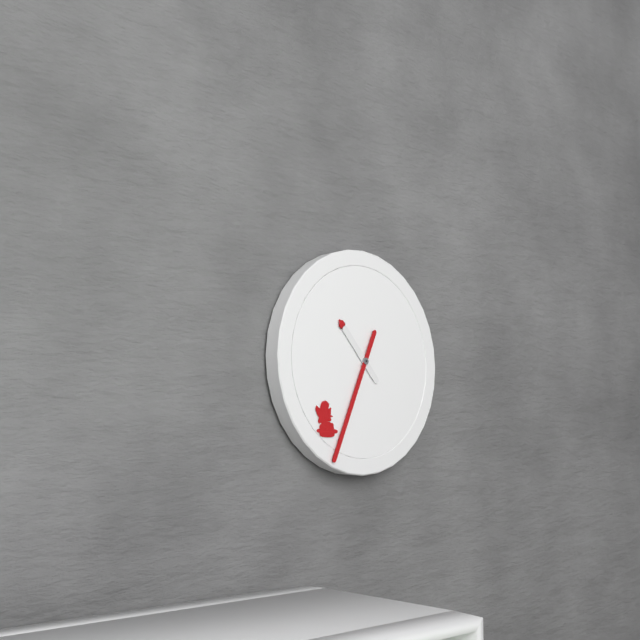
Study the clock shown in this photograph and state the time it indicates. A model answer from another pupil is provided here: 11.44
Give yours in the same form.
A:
10.34
